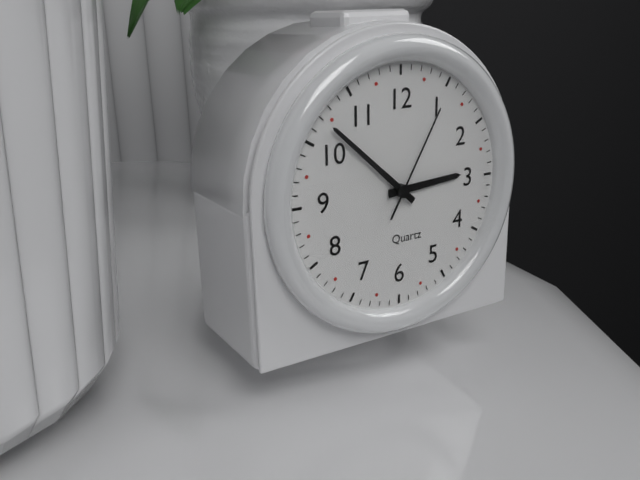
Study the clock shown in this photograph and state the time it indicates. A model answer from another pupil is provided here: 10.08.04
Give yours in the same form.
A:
2.52.05
